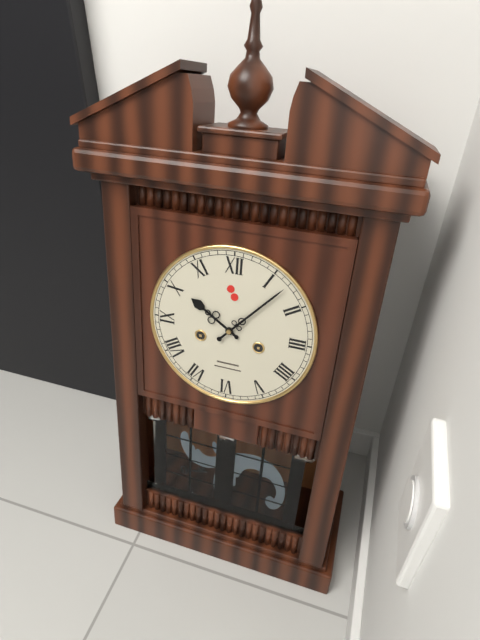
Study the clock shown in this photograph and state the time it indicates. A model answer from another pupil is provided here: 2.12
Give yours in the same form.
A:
10.07
